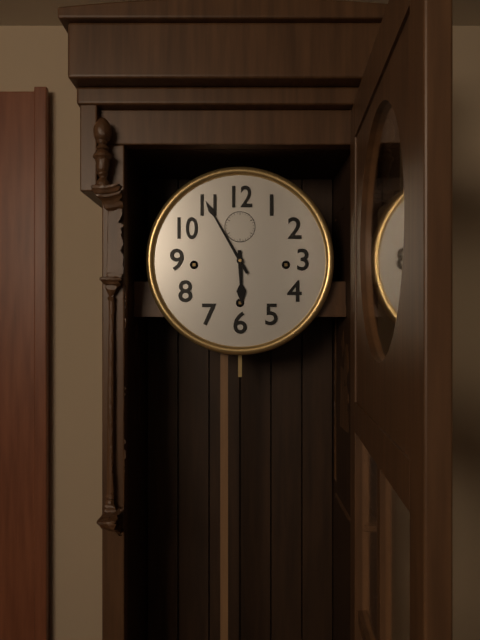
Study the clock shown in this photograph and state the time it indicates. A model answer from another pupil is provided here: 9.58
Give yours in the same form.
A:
5.55
